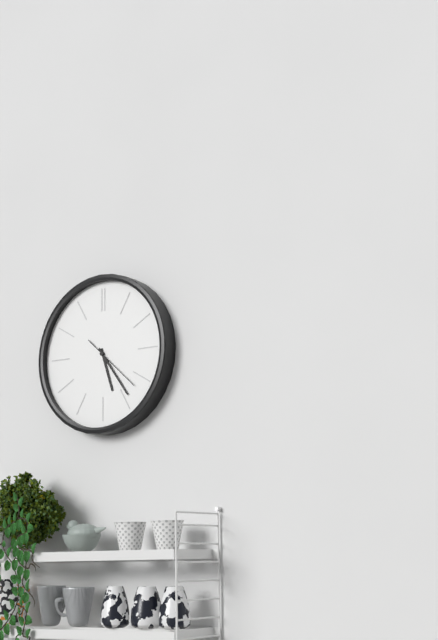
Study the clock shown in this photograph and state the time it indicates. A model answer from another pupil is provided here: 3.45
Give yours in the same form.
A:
5.24
